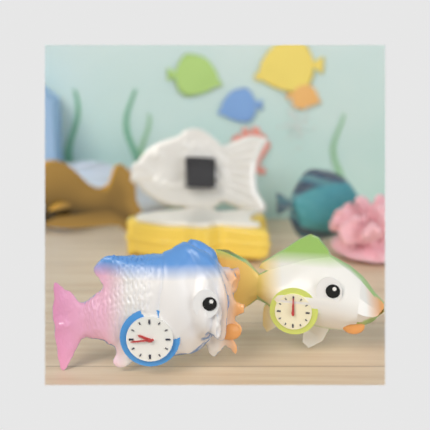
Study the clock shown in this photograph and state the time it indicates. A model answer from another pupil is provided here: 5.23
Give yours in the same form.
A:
9.44
